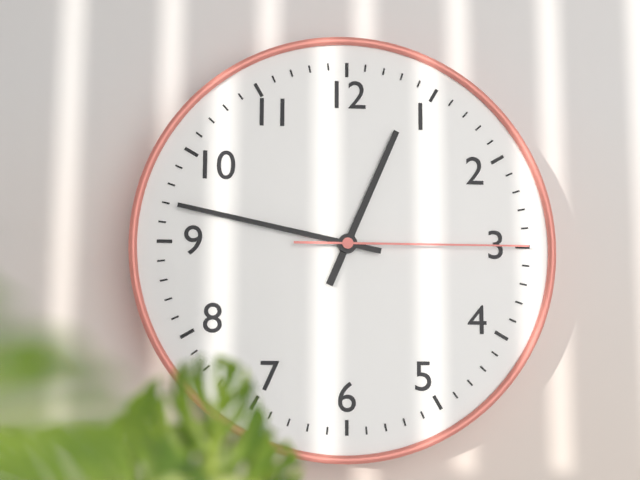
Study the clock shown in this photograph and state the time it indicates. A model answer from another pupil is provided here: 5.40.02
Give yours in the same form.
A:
12.47.15
